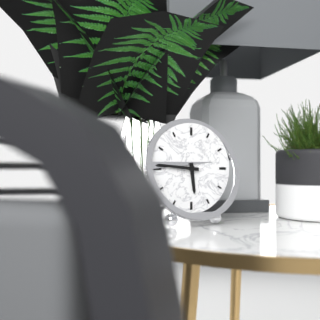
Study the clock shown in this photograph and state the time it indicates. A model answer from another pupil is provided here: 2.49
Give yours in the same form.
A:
5.46
